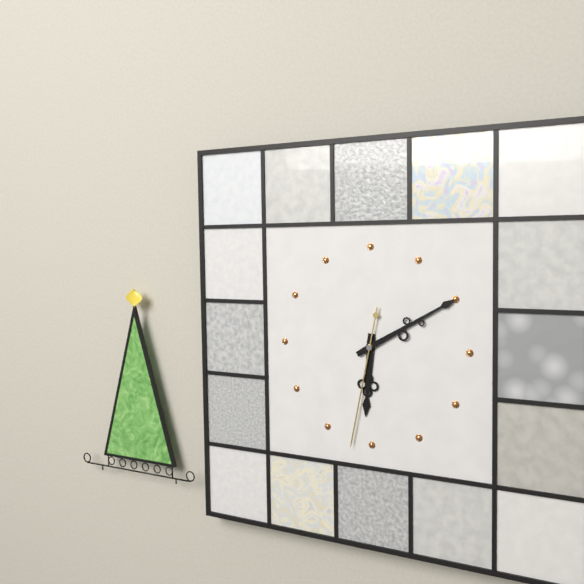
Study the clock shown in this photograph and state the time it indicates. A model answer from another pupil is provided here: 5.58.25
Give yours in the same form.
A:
6.10.32
